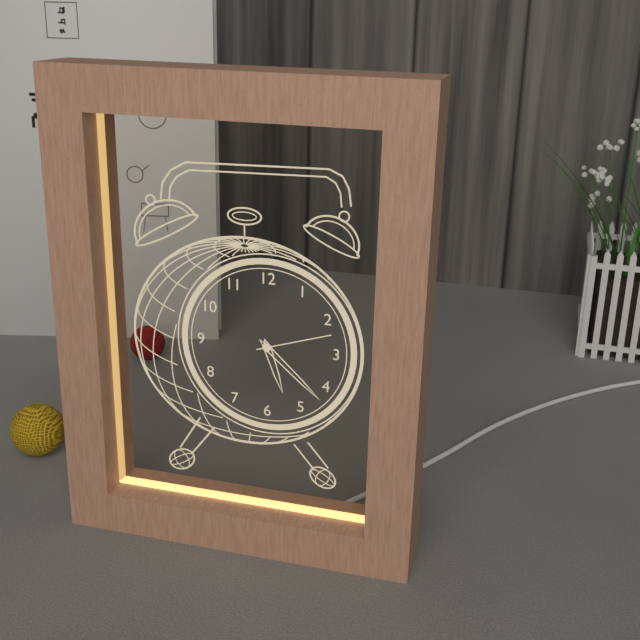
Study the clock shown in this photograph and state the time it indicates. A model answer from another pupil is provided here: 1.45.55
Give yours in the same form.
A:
5.22.12
